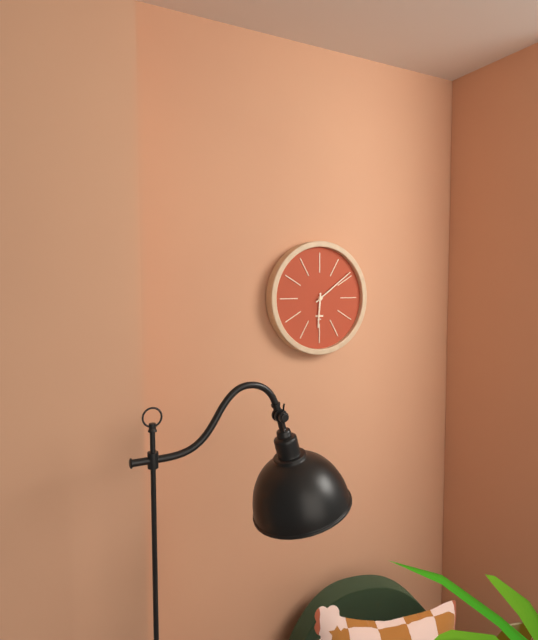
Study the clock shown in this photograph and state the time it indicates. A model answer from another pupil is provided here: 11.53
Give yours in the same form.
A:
6.09
